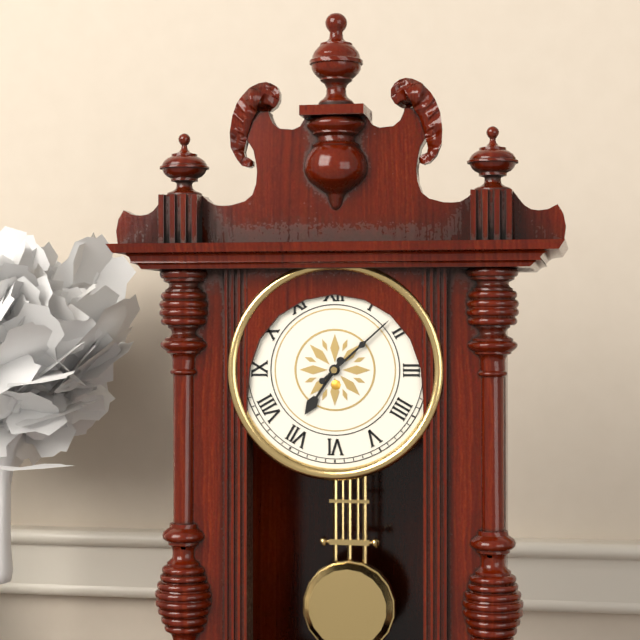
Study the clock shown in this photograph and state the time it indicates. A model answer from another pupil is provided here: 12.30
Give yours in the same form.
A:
7.08
